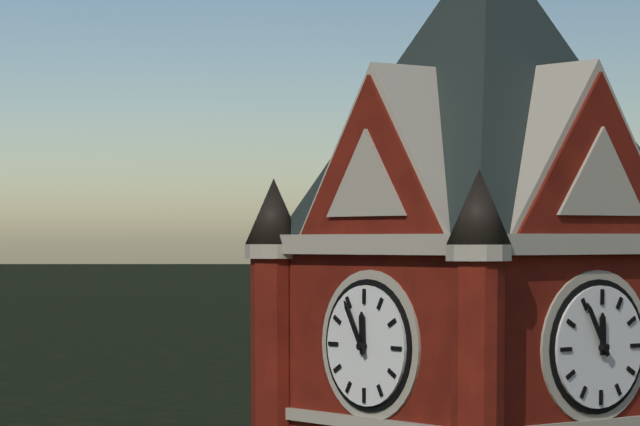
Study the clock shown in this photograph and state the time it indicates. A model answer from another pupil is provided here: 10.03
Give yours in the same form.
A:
11.55
